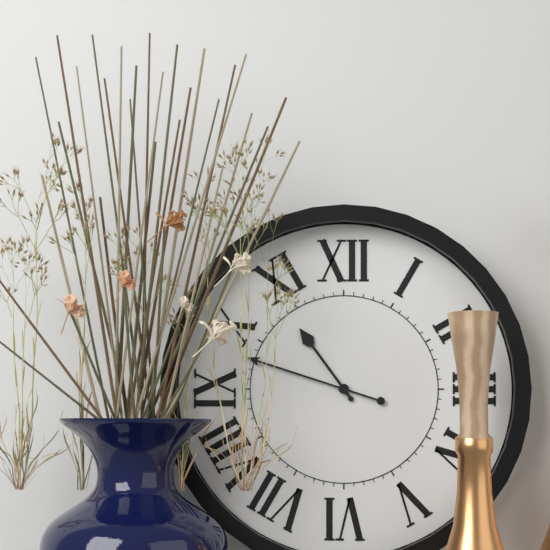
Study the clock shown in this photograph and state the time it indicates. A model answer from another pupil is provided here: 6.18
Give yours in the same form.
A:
10.48
